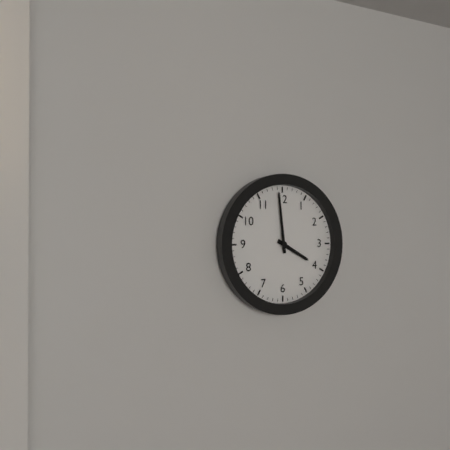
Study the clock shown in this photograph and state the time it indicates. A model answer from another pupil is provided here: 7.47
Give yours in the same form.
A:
3.59
